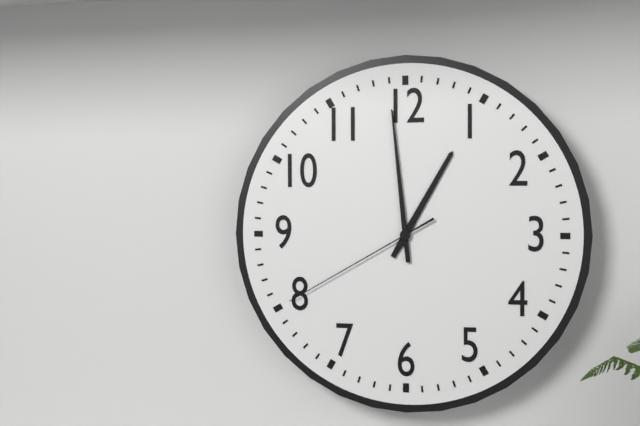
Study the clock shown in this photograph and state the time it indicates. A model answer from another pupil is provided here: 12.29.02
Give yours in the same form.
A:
12.59.40
